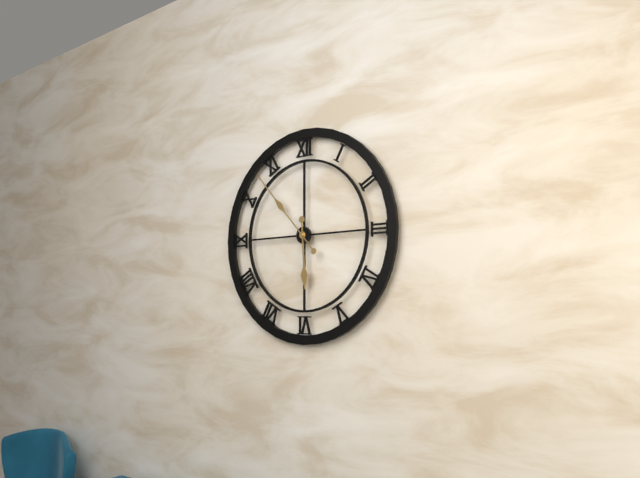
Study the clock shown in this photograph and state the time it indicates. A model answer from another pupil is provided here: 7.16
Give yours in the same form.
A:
5.53
